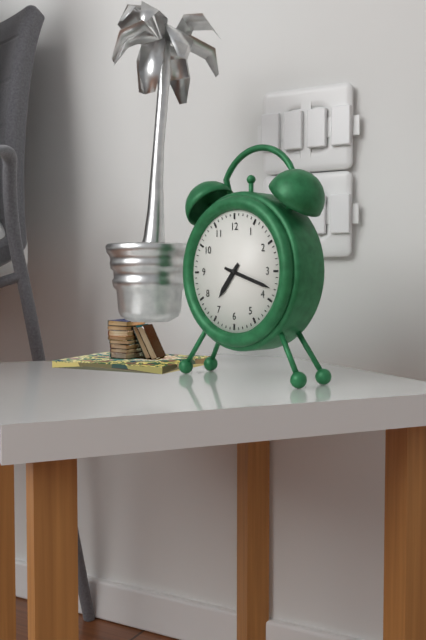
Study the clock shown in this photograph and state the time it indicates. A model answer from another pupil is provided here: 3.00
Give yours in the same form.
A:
7.18
